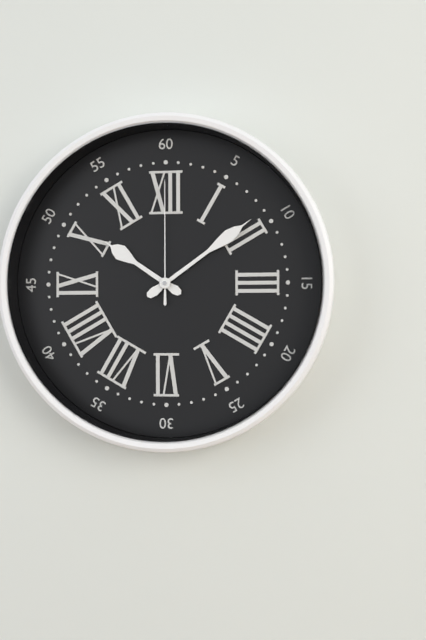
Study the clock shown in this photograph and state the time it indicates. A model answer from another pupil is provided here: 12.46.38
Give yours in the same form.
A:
10.09.00
